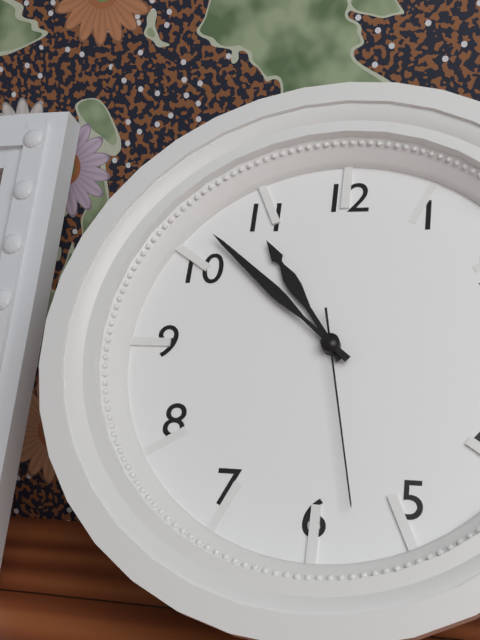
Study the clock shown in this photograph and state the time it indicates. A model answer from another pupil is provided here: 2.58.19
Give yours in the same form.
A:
10.52.28
